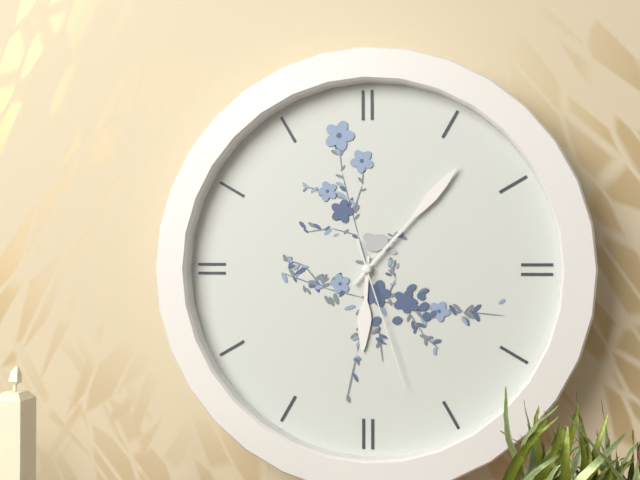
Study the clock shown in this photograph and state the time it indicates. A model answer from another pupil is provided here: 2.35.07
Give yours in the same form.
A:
6.07.27
